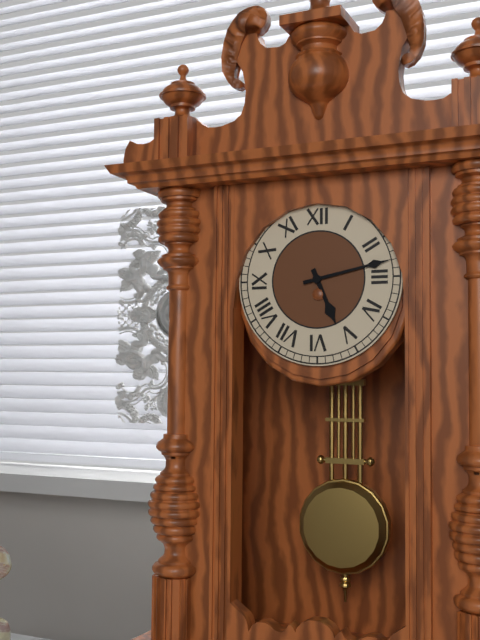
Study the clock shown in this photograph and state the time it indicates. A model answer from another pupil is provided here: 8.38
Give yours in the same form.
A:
5.13
